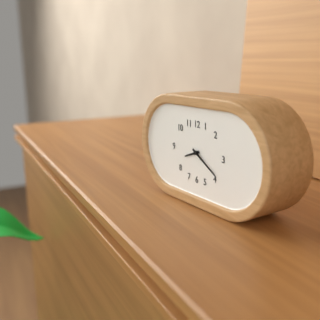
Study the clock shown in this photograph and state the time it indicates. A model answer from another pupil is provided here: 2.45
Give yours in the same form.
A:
8.20
